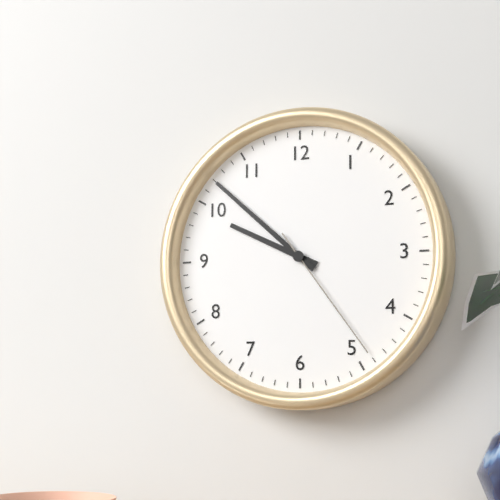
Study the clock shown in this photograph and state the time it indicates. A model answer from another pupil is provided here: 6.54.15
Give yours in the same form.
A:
9.52.24
